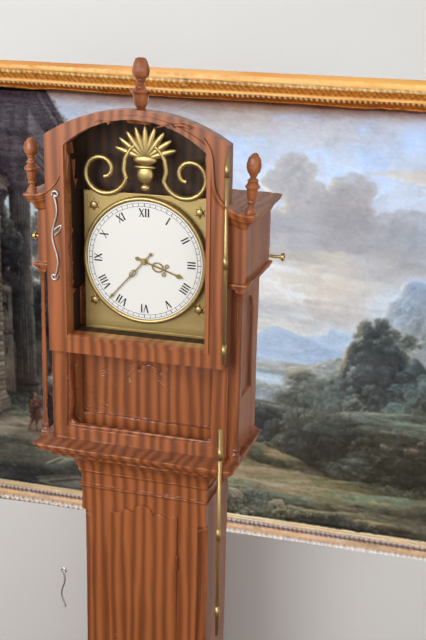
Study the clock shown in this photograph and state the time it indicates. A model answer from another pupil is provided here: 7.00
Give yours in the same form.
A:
3.37
